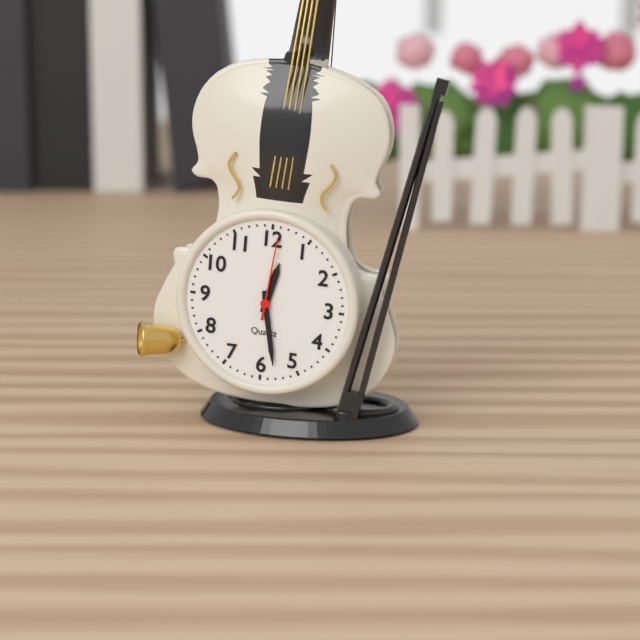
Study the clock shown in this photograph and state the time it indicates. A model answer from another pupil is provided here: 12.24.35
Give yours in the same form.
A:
12.28.01
